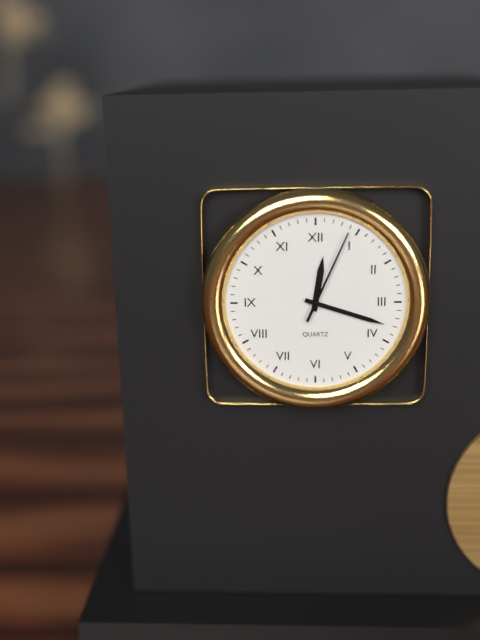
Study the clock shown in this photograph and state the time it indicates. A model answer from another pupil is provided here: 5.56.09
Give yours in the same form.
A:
12.18.04
